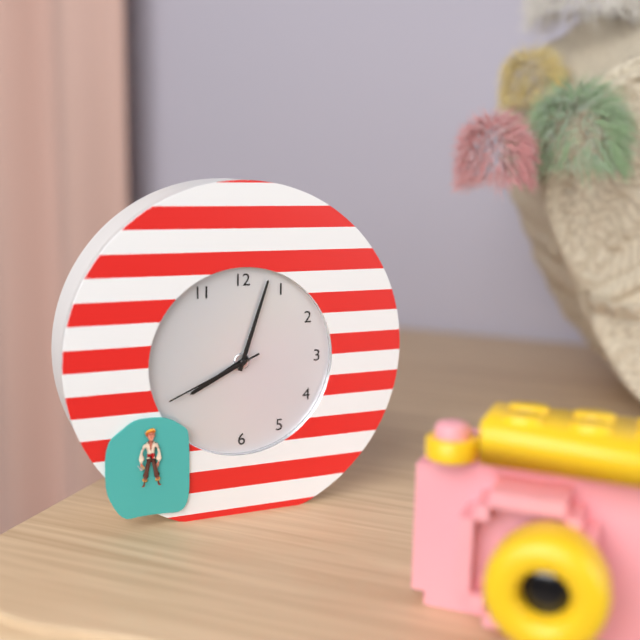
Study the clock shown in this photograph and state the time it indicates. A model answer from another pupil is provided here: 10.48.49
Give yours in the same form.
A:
8.03.41
